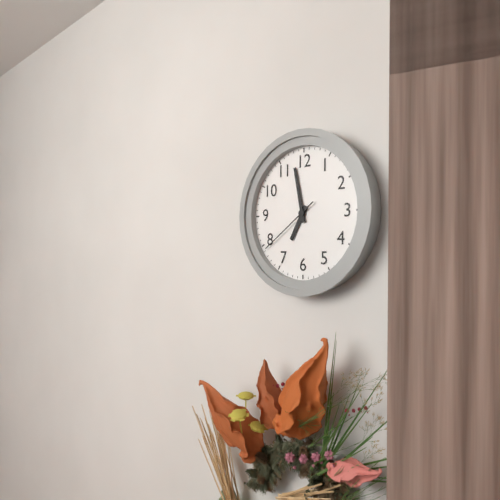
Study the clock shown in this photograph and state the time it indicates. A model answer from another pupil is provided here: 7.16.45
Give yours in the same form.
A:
6.58.39
